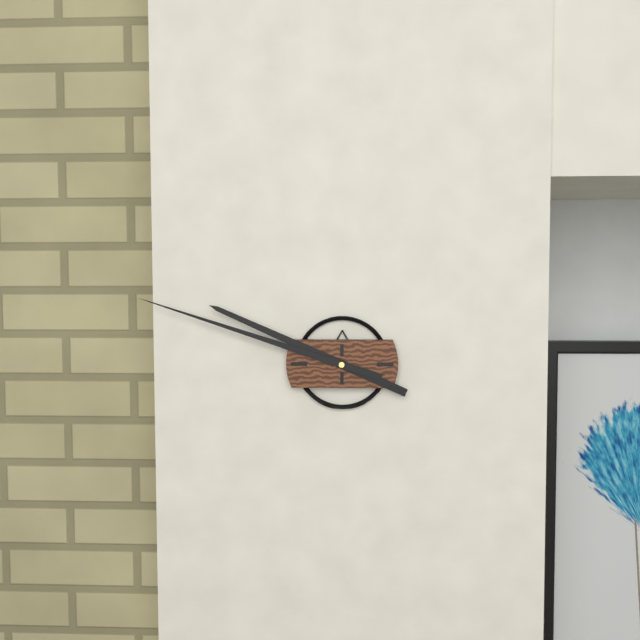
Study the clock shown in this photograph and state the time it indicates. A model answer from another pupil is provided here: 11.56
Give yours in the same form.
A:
9.48
